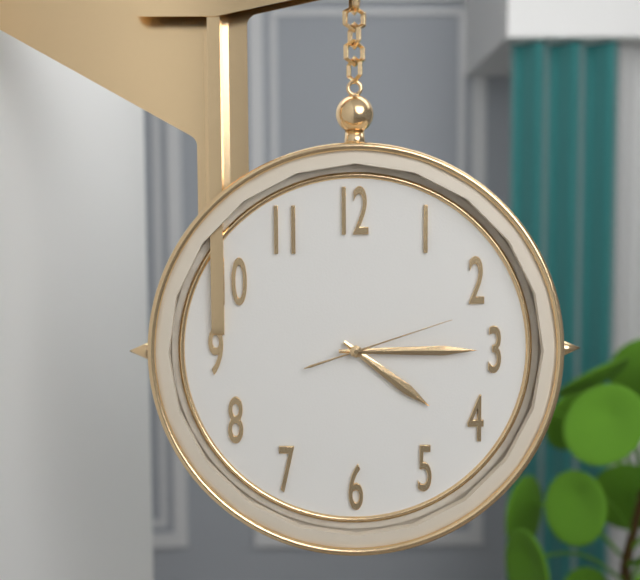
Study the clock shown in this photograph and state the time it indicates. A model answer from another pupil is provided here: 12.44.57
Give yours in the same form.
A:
4.15.12
